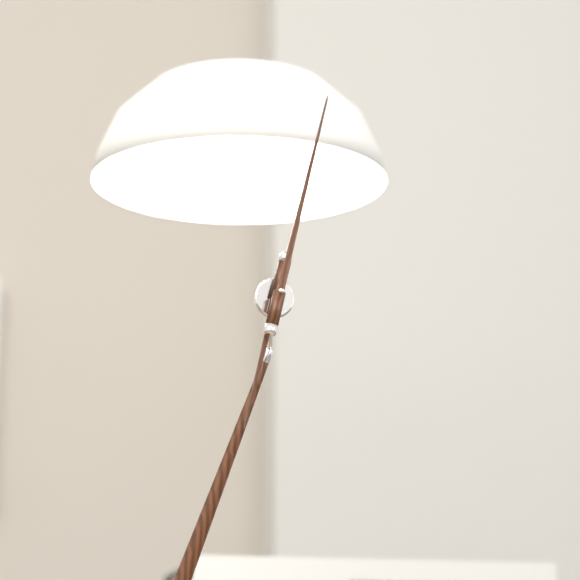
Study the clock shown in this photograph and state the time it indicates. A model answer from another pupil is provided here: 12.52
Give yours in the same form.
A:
6.00
